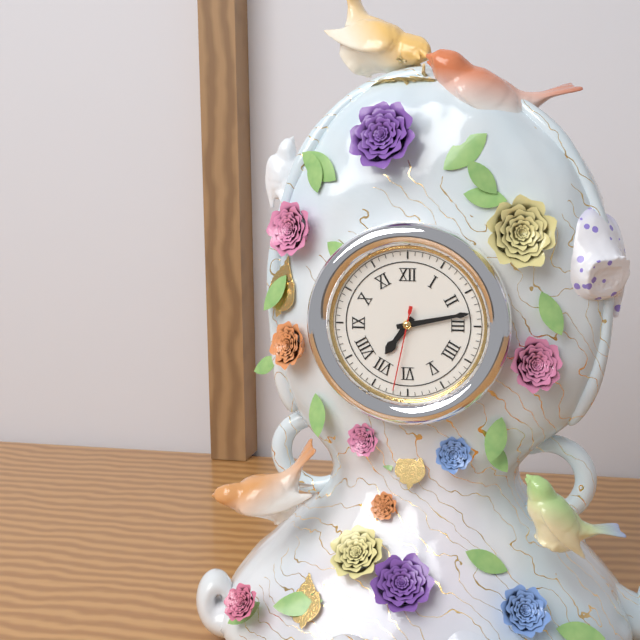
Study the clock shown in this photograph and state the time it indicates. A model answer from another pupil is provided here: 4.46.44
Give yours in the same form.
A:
7.13.32
